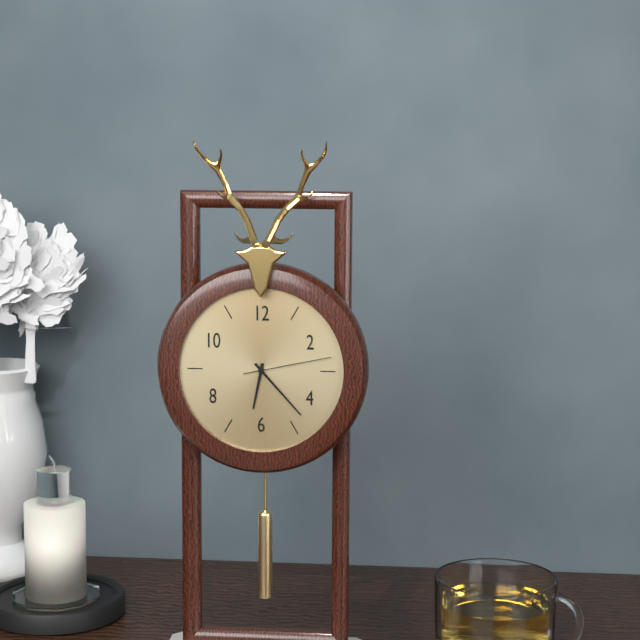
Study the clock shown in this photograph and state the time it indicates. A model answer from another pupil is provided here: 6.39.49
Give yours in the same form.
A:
6.23.13
